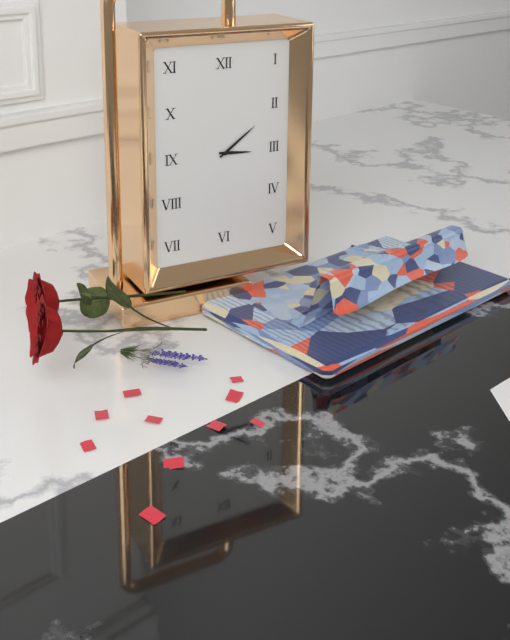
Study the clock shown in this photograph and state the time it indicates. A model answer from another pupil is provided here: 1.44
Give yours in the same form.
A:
3.09
